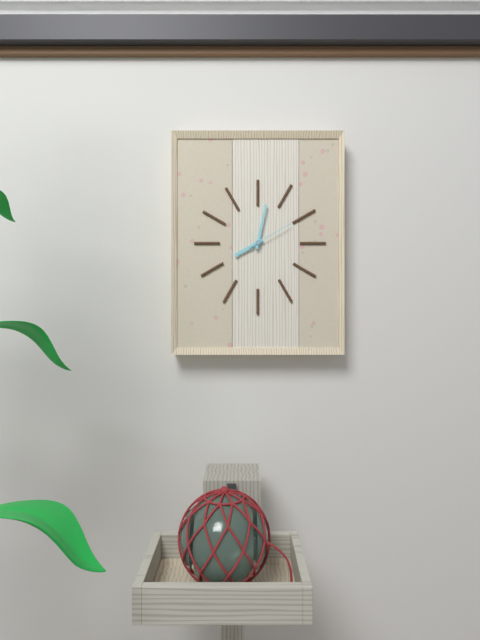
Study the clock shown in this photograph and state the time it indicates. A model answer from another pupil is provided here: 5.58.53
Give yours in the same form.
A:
8.02.10
